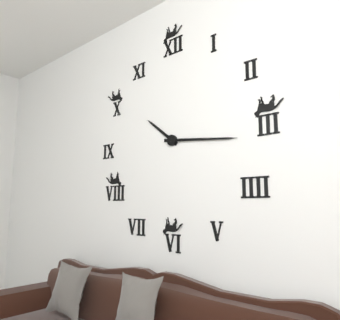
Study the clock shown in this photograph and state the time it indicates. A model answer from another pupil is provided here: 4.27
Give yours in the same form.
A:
10.16
